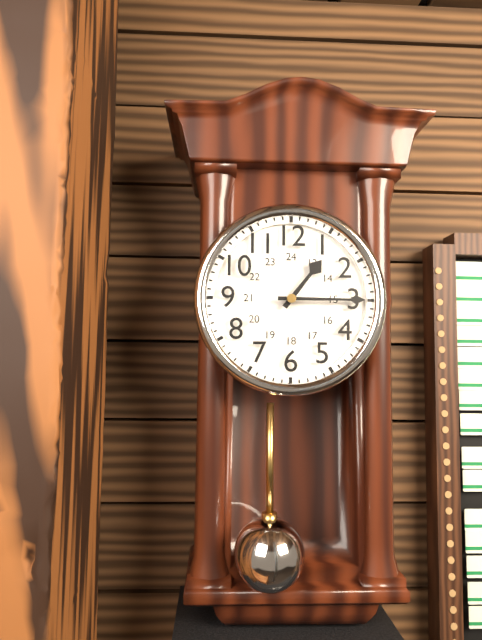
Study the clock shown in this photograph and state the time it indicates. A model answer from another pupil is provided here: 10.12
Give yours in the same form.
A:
1.15
